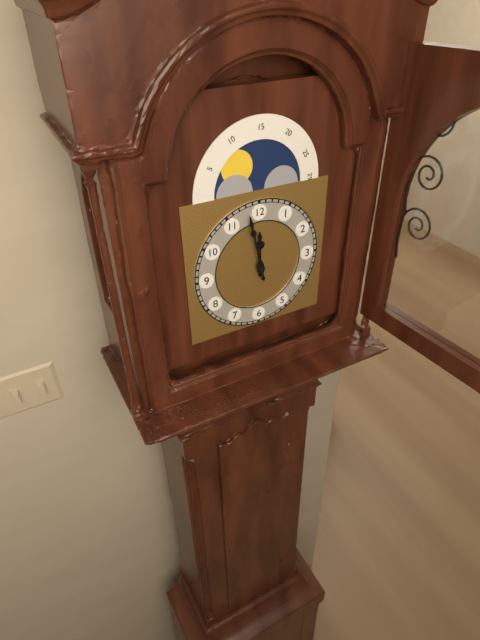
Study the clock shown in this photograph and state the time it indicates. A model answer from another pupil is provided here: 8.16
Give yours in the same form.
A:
11.58
